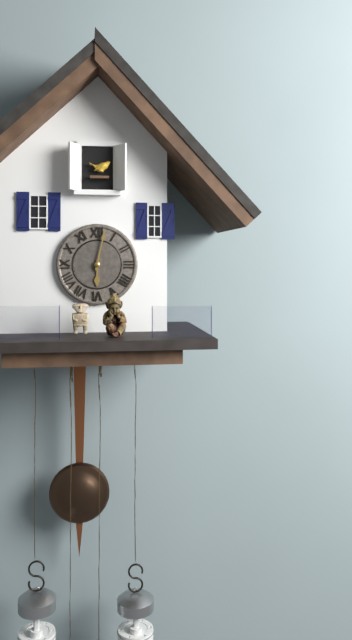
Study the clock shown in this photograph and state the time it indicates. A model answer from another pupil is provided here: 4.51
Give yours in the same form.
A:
6.02
